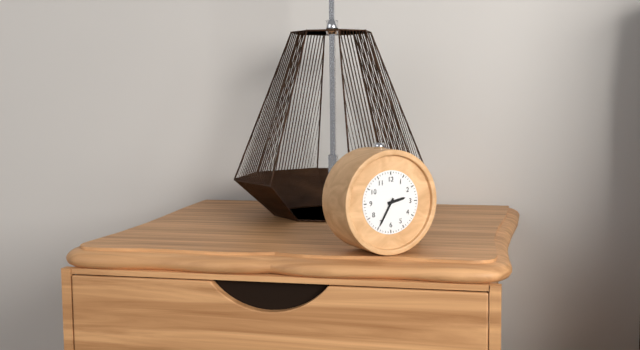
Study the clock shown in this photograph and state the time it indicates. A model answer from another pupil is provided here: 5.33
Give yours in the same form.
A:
2.35
